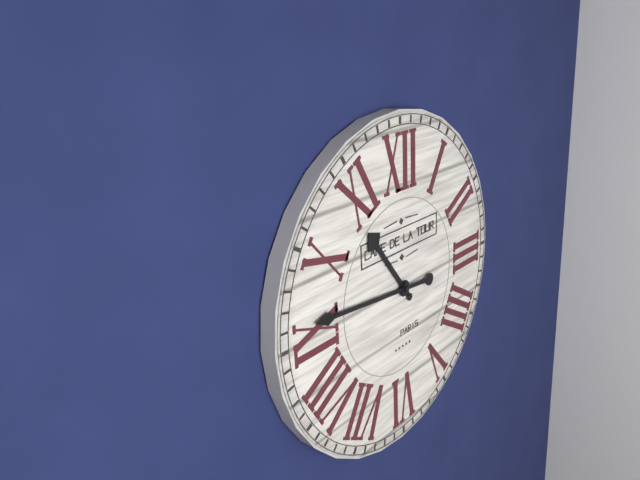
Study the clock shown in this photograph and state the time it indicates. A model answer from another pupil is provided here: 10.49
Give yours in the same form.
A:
10.46
